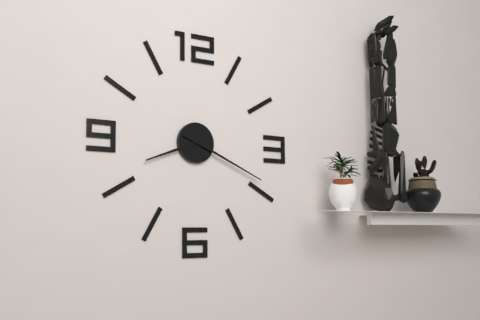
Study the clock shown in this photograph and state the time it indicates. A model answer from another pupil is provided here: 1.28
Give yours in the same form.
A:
8.19
